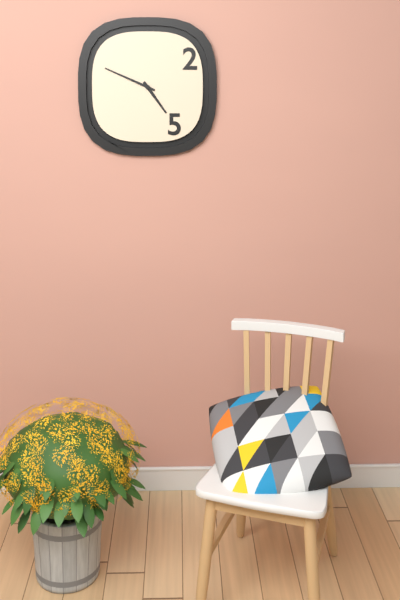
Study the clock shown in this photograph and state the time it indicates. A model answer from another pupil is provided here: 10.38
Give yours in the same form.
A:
4.49
